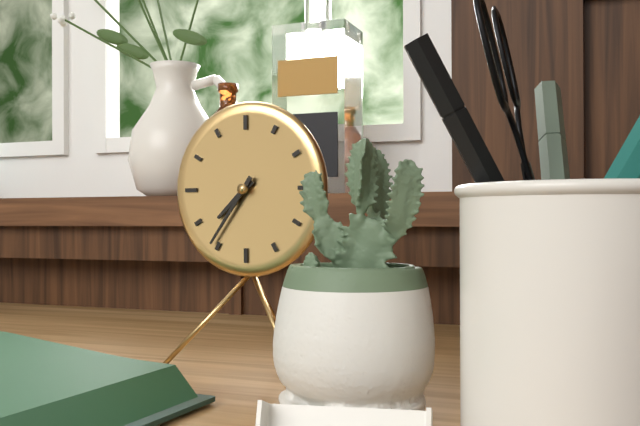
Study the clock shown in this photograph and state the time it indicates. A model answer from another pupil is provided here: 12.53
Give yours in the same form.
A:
7.36
